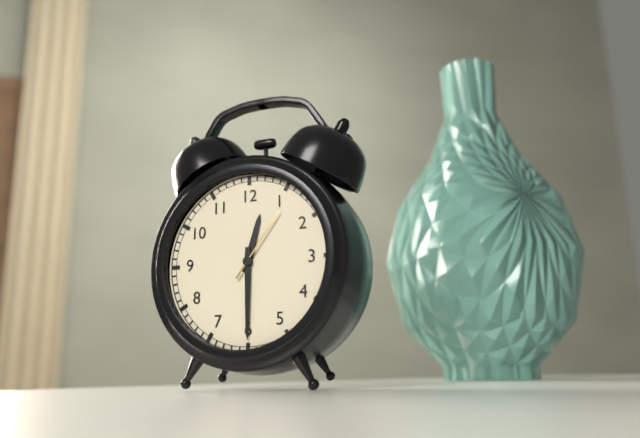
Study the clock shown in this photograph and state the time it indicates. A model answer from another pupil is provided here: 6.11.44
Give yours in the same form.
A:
12.30.06
